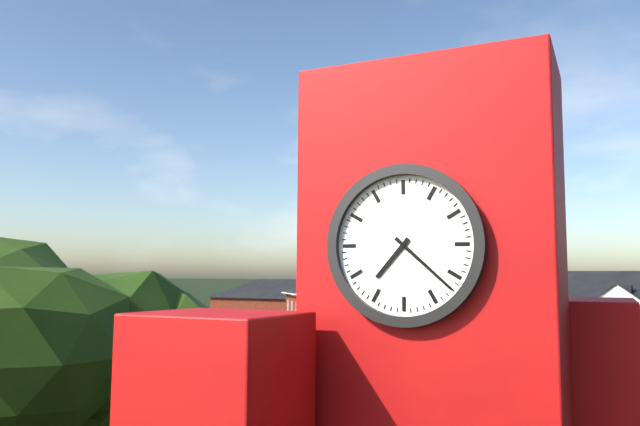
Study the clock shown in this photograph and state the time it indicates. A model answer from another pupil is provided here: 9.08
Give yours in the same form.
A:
7.22
